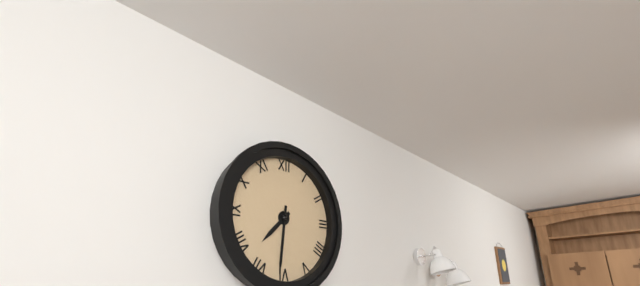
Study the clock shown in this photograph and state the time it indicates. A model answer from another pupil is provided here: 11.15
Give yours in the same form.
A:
7.31
